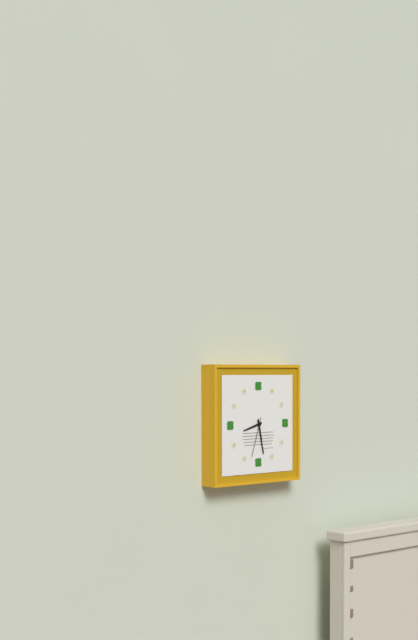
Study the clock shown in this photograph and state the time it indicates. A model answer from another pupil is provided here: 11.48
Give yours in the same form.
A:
8.28
